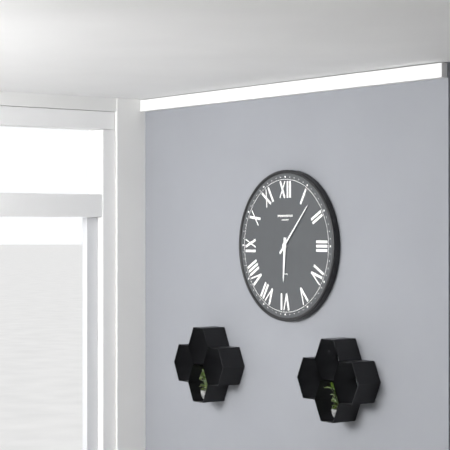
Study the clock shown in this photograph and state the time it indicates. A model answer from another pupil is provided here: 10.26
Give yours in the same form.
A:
6.07
